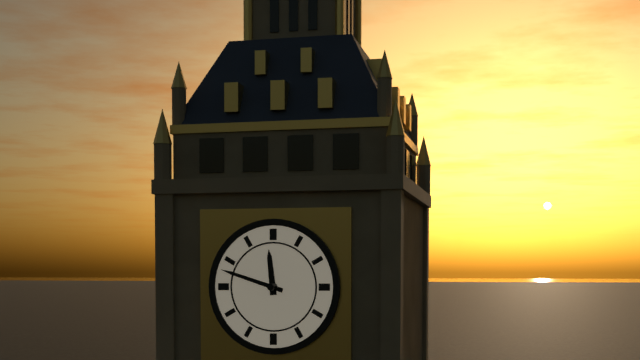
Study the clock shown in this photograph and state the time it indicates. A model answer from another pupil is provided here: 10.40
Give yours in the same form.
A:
11.48
